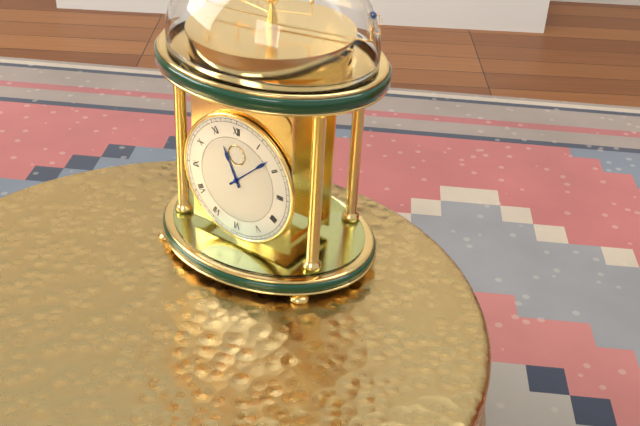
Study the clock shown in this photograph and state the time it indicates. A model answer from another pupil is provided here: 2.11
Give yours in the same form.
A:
11.08
